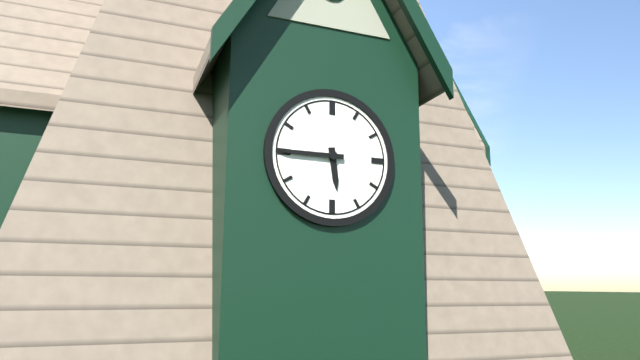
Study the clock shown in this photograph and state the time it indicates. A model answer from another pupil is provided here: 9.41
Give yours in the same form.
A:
5.45
